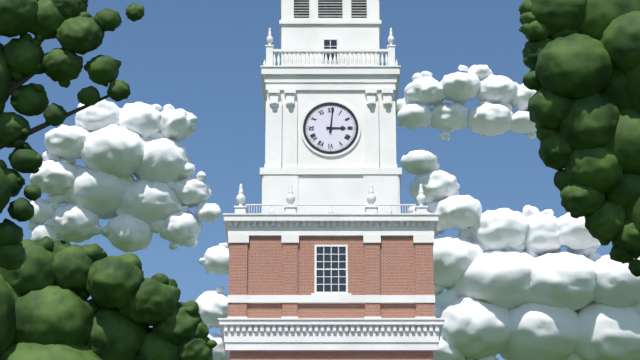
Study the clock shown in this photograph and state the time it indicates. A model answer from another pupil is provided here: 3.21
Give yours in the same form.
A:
3.01
